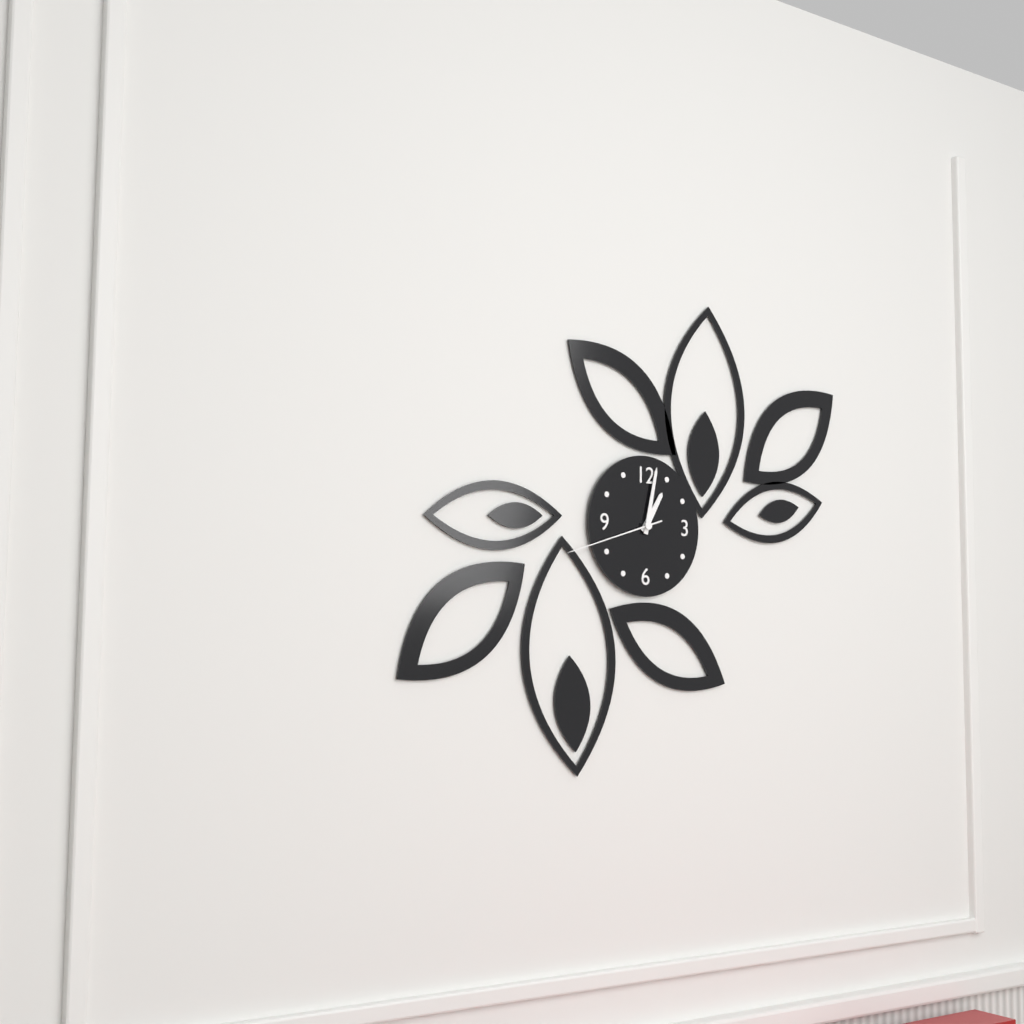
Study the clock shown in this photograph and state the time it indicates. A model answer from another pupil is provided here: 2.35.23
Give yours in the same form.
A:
1.02.42
